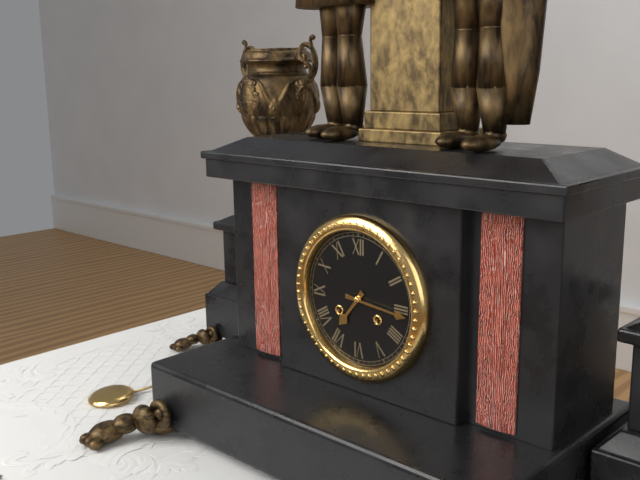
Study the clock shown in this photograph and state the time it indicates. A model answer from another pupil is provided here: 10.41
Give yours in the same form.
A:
7.16
